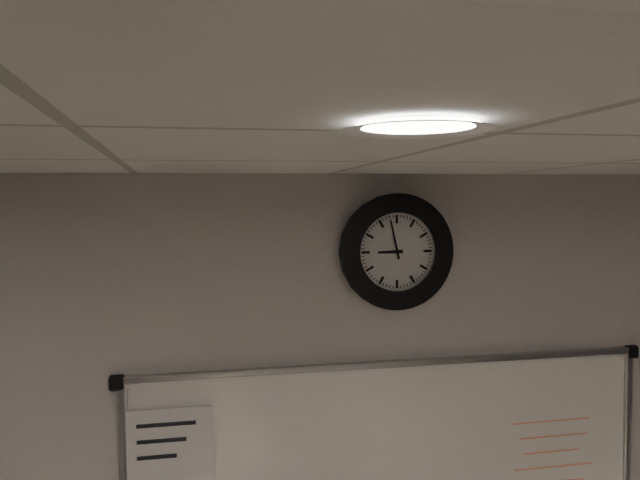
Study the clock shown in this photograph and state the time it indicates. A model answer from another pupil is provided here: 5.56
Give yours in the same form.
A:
8.58
